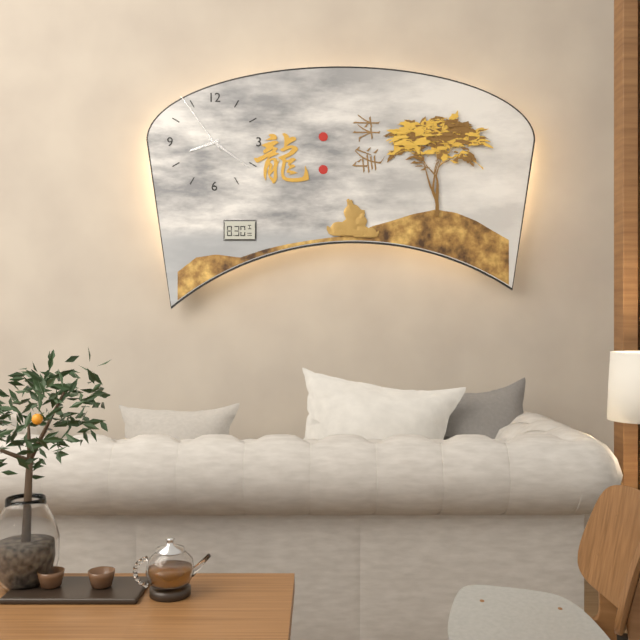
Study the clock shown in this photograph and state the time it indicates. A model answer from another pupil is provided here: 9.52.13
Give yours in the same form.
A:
8.21.54
